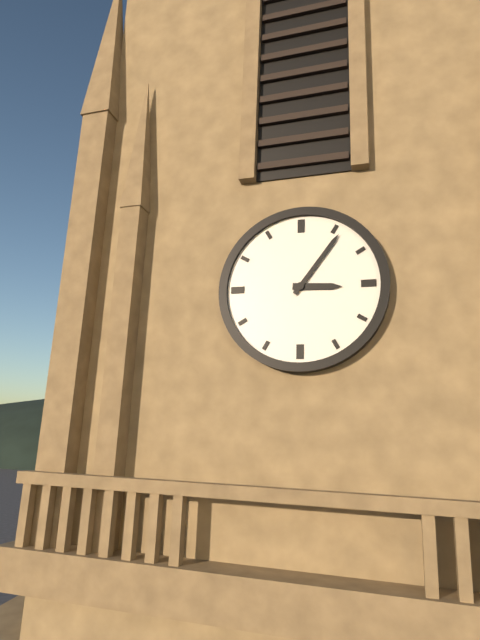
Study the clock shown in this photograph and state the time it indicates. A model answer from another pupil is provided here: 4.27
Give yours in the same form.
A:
3.06
